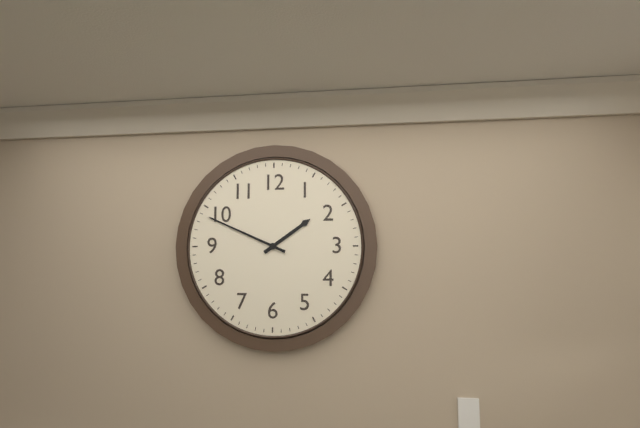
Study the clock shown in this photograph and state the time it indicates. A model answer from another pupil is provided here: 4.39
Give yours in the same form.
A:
1.49
